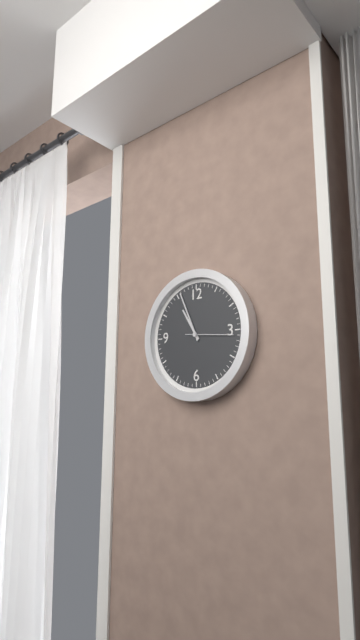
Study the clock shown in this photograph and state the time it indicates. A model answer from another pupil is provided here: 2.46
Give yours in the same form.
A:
10.56
